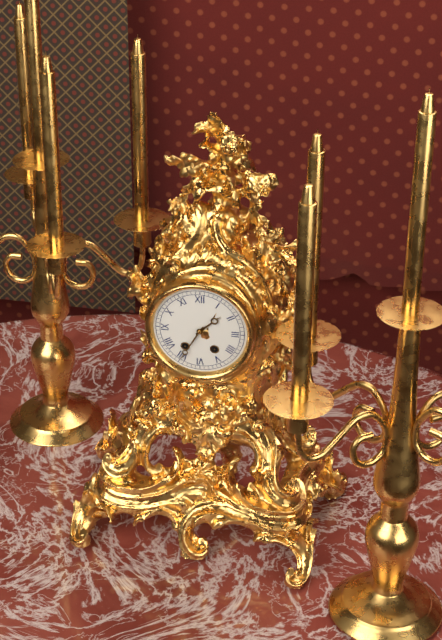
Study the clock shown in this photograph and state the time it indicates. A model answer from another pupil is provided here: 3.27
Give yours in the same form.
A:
1.35
